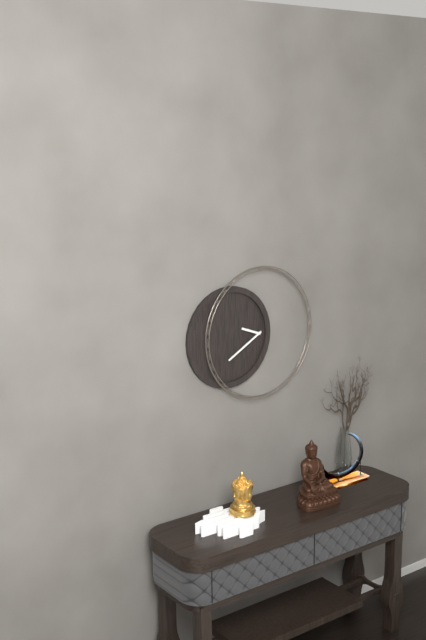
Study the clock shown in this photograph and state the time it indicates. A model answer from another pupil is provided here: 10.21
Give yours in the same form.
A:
9.40
